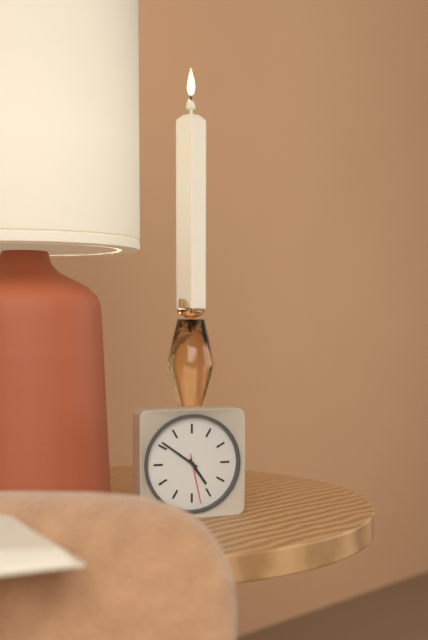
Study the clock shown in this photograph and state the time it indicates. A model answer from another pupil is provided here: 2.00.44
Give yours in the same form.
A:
4.51.28
